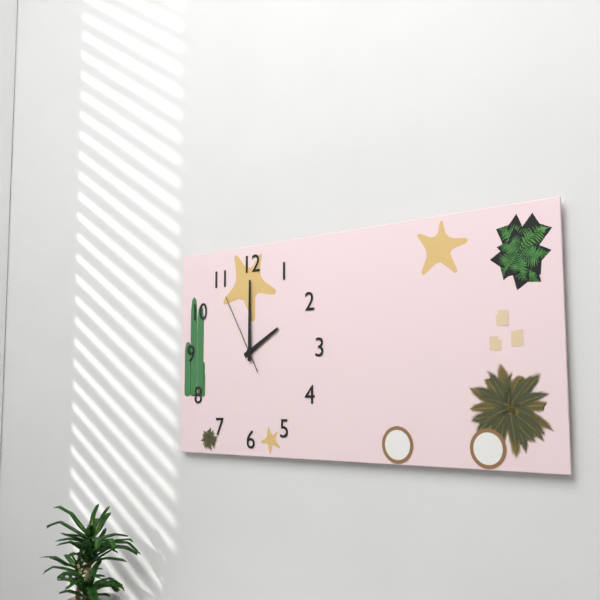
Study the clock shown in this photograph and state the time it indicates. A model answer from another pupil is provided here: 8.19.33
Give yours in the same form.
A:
2.00.55
